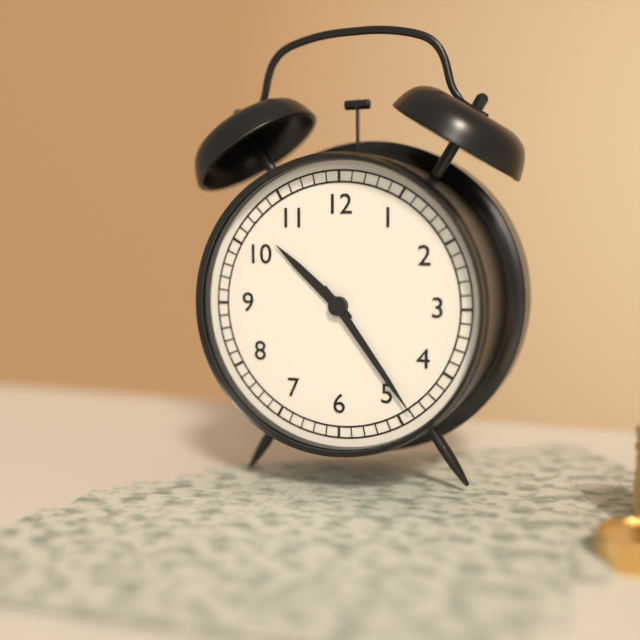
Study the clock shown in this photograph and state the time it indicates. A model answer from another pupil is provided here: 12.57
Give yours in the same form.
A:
10.24
